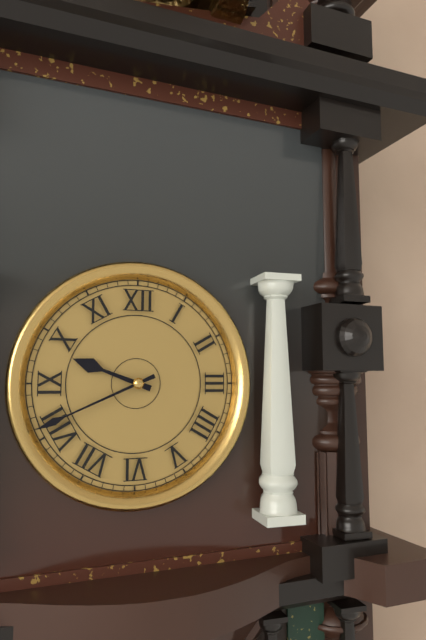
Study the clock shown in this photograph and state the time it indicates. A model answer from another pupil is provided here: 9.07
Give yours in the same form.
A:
9.41
